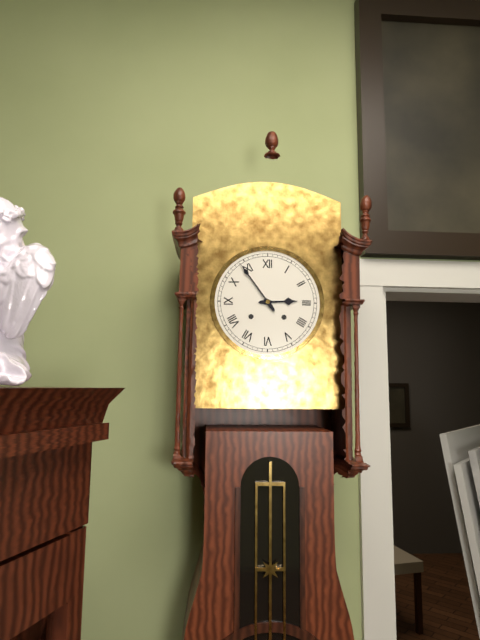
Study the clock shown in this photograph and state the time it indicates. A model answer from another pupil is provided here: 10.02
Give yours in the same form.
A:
2.54
